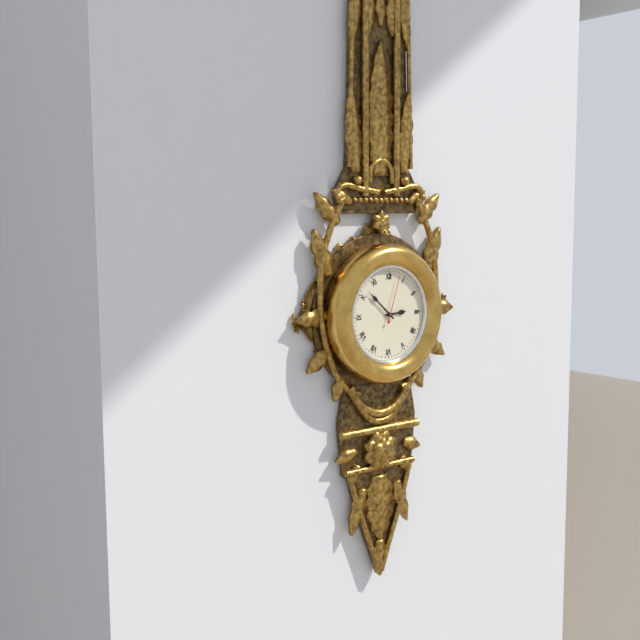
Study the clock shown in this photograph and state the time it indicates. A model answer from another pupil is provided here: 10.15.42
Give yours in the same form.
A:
2.52.03
